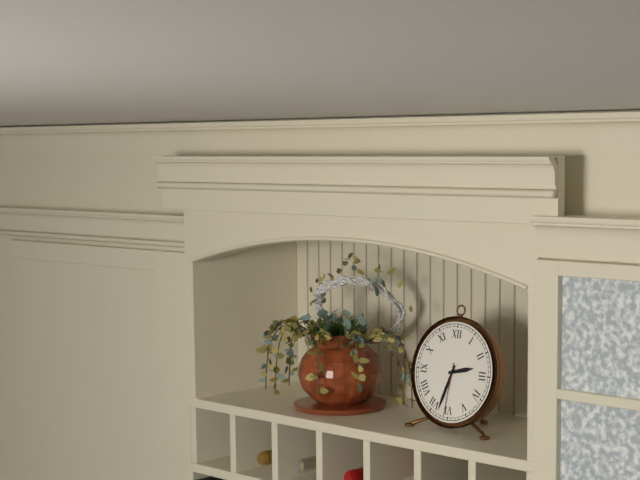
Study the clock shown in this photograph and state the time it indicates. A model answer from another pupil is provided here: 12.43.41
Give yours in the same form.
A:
2.33.31
